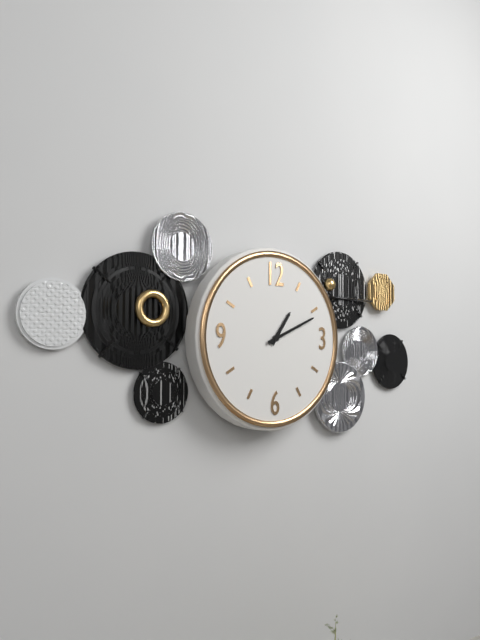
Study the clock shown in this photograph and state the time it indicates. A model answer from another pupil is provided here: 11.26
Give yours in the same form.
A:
1.11
